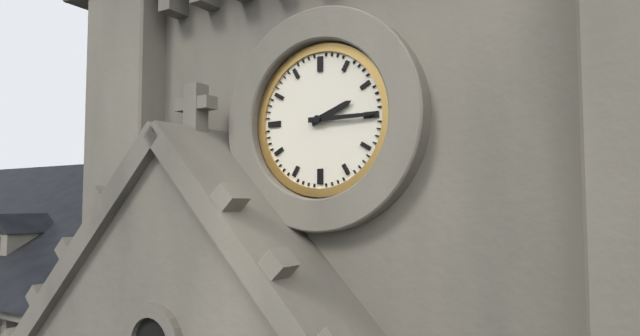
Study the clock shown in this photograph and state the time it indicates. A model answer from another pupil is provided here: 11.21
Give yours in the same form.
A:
2.15
